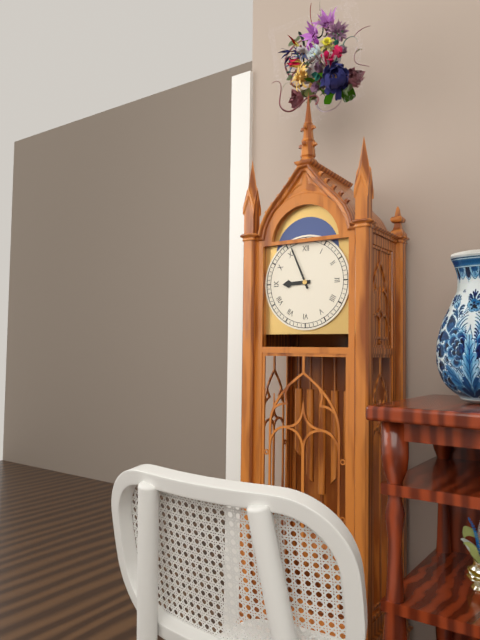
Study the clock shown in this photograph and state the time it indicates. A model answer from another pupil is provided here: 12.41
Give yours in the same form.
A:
8.56
